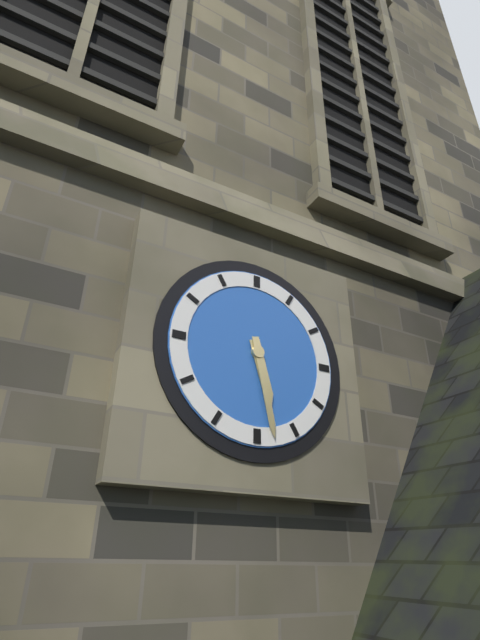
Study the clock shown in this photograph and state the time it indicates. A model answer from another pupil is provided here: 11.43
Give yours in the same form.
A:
5.28
